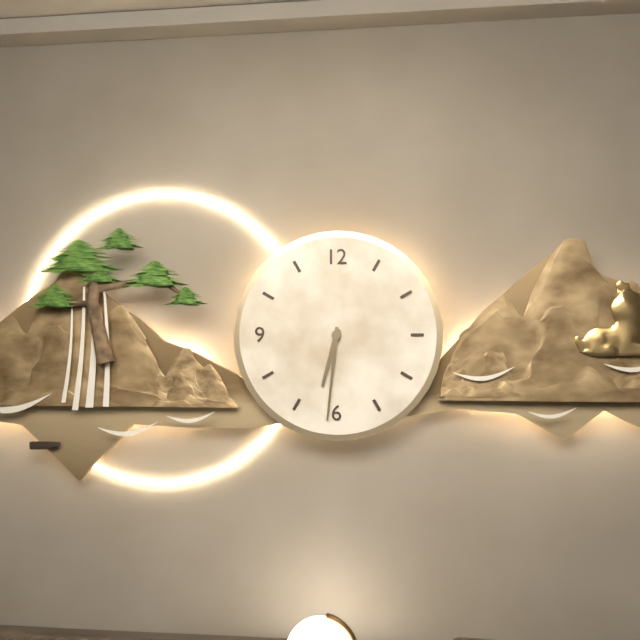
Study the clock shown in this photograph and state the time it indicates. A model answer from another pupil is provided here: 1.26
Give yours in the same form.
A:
6.31
